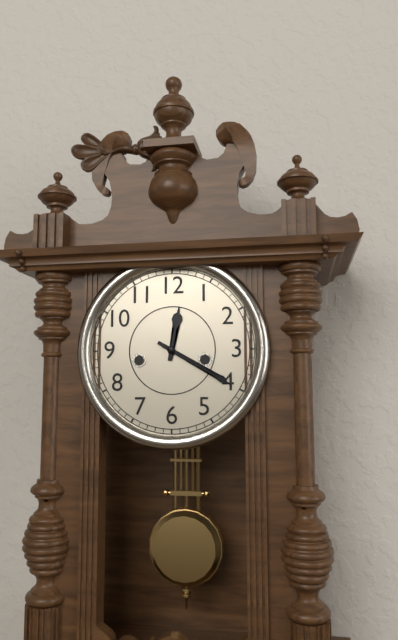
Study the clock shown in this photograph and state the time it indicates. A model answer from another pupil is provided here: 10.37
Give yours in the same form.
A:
12.20
